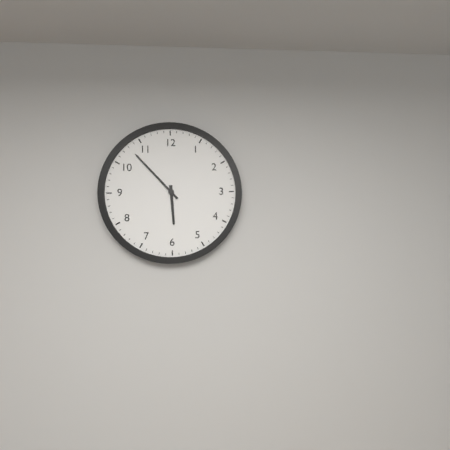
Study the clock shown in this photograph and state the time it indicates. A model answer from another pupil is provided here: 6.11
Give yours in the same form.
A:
5.53
